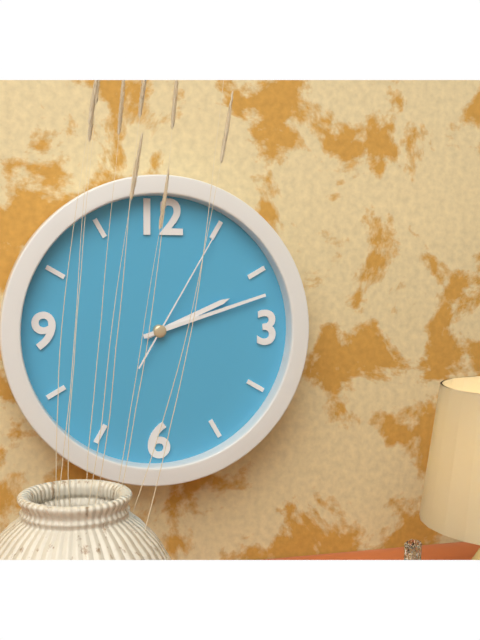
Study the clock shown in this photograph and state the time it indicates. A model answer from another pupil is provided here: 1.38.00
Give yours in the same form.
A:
2.12.05
